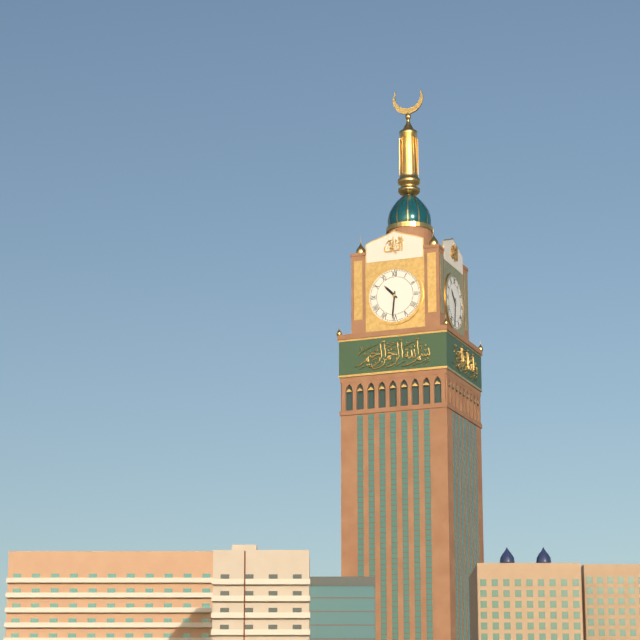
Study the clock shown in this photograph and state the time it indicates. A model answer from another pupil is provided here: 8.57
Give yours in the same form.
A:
10.31
